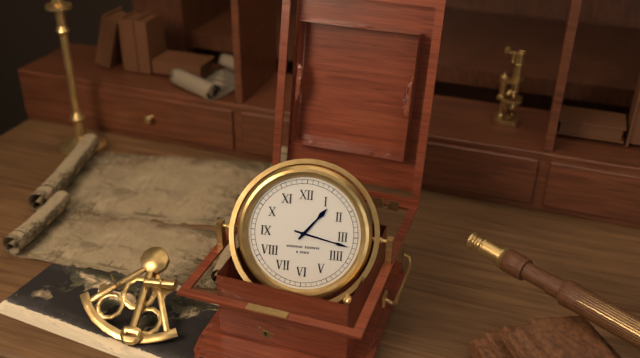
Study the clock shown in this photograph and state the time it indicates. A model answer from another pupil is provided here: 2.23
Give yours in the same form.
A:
1.17
